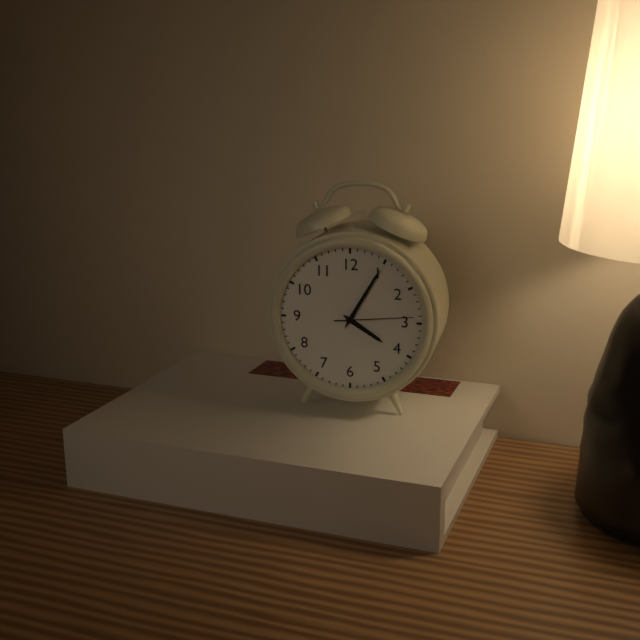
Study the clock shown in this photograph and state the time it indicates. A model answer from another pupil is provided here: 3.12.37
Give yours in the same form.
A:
4.05.14
